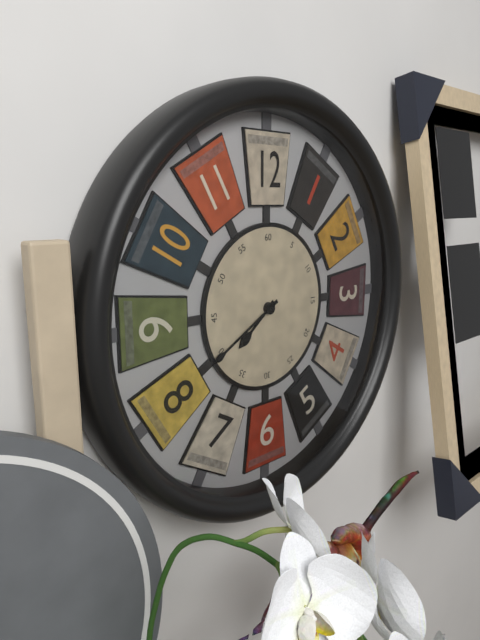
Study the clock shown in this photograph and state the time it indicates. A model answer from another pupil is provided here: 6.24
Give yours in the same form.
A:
7.40
